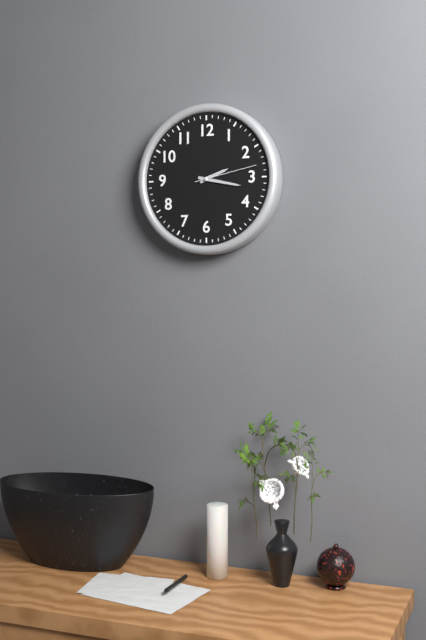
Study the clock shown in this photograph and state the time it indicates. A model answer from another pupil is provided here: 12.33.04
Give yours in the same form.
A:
2.17.13
